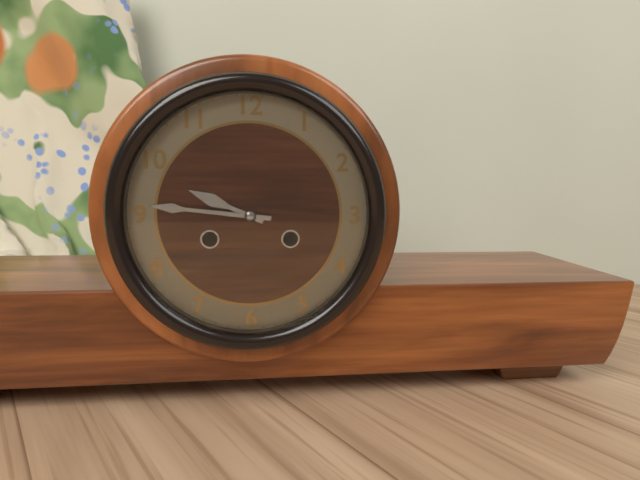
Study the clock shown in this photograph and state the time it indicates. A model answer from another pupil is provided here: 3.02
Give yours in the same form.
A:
9.46
